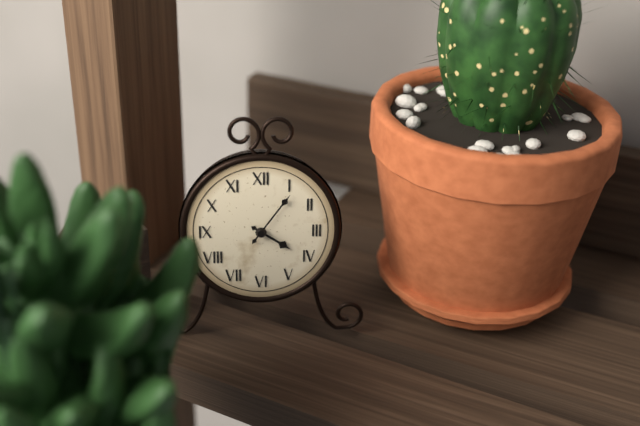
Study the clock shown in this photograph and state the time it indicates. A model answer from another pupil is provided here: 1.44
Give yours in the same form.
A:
4.06
